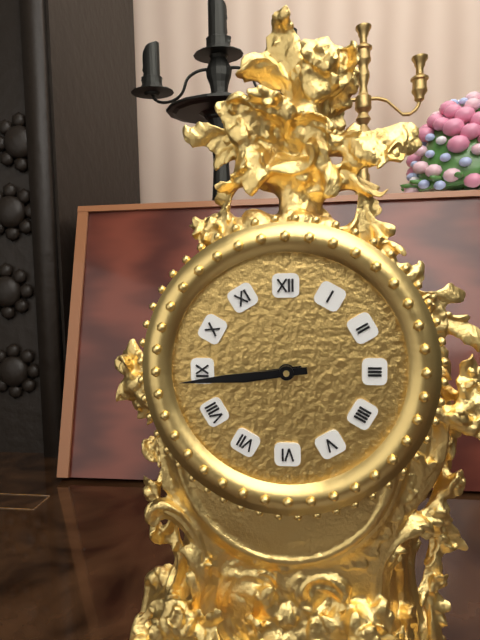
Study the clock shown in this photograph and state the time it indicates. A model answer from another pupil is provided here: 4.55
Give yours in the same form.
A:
8.44
